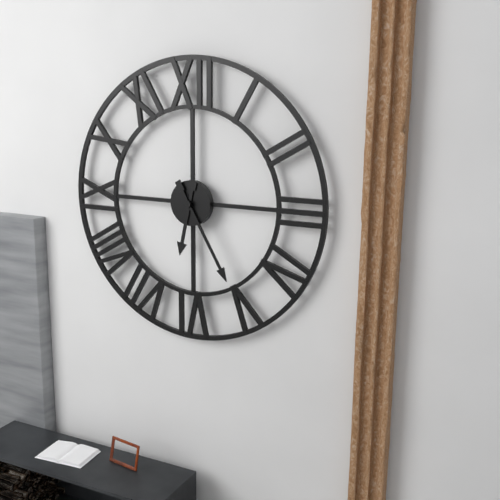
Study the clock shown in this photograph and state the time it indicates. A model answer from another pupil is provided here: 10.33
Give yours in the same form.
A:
6.25
